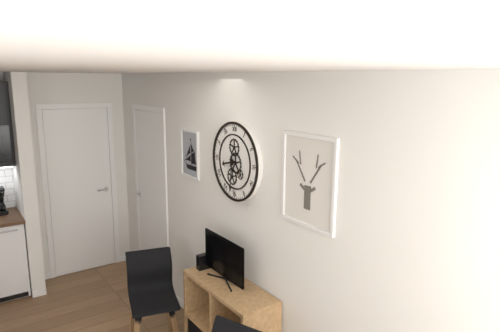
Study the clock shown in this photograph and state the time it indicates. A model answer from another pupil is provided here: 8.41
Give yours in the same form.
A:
8.31
